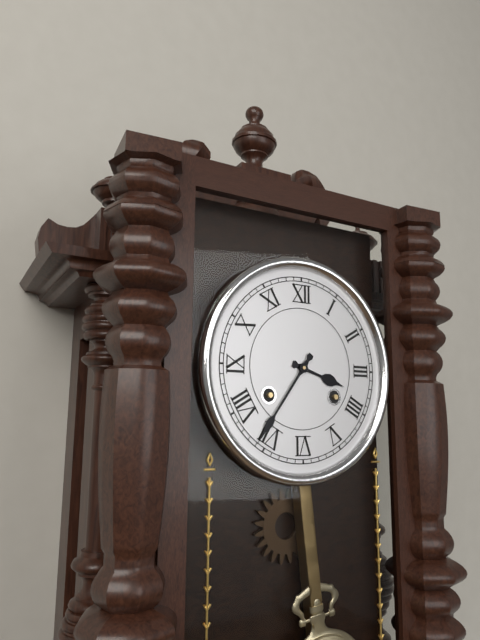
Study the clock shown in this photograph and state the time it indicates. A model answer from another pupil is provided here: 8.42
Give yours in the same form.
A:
3.36
